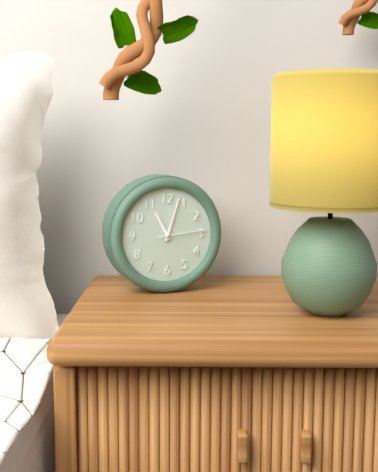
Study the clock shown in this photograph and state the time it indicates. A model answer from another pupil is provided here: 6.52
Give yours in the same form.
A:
11.03
